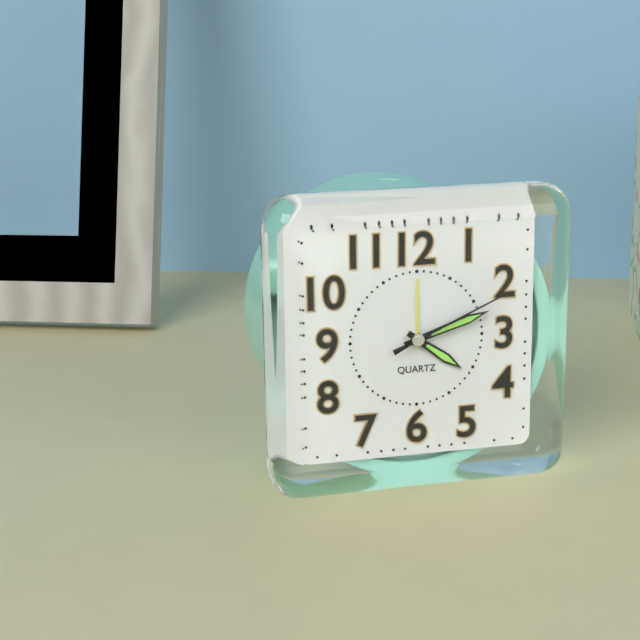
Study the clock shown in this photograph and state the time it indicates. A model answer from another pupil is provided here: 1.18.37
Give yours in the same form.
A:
4.12.11
